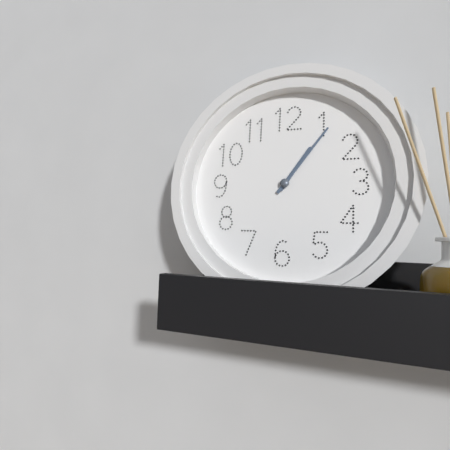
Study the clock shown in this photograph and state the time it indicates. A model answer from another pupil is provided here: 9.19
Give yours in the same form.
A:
1.06
